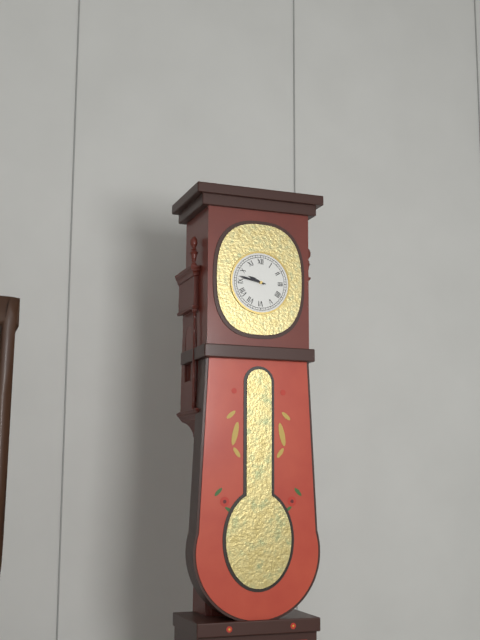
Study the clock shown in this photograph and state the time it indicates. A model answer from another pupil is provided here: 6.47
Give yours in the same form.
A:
9.47
